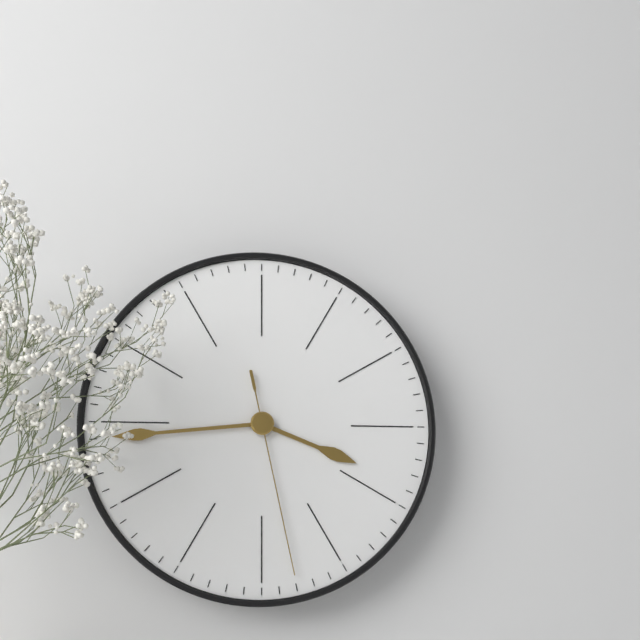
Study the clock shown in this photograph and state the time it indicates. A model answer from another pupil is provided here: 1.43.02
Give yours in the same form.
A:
3.44.28
